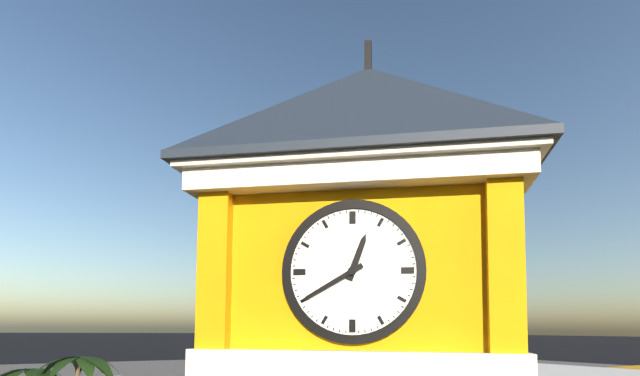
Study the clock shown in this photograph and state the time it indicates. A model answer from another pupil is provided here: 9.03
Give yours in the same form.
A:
12.40
